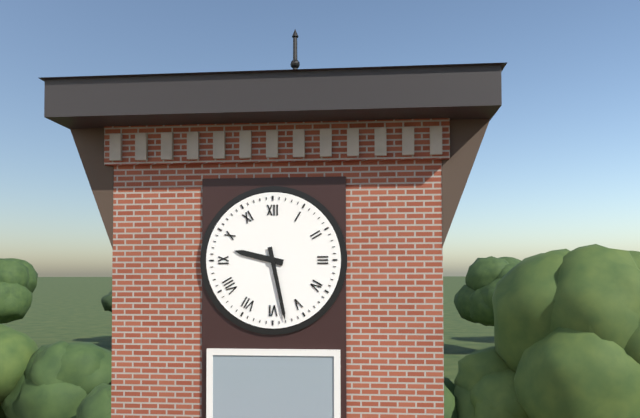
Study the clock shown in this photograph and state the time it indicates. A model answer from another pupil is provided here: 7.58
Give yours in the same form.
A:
9.28
